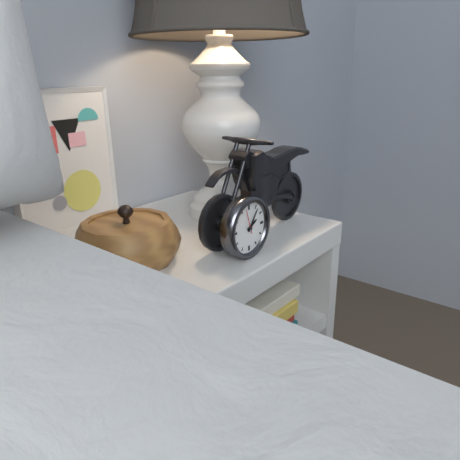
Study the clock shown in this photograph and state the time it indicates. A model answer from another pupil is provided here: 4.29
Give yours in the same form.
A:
2.06
